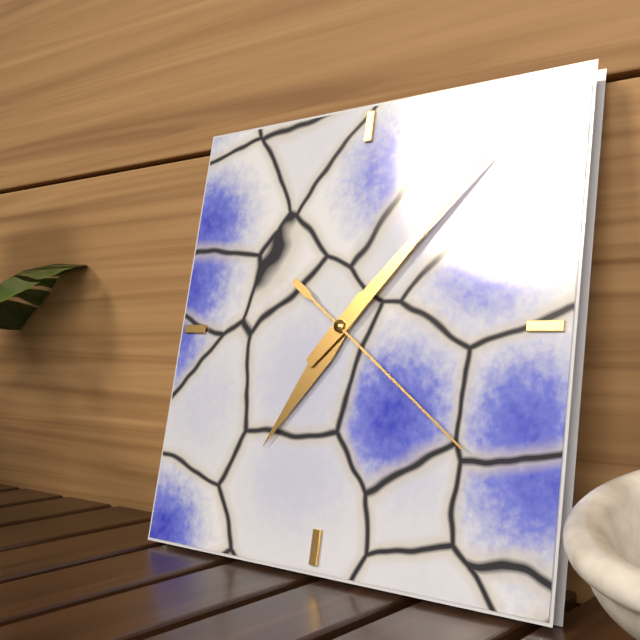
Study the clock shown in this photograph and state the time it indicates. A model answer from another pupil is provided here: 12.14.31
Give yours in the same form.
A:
7.07.21
